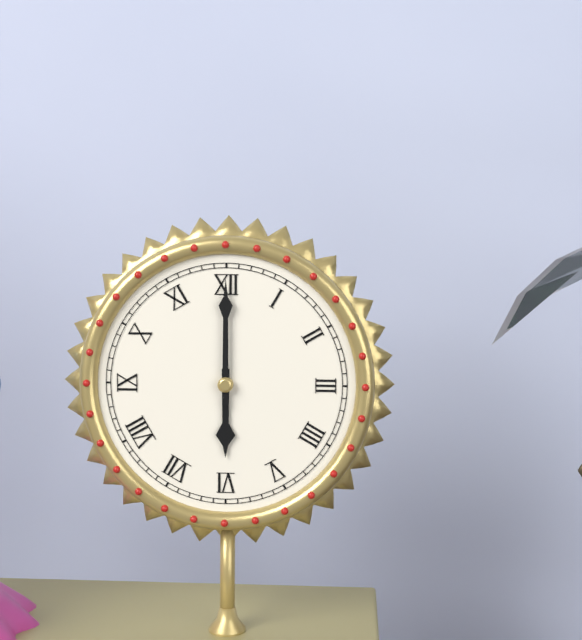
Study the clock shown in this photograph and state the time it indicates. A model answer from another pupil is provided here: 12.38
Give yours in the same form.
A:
6.00
